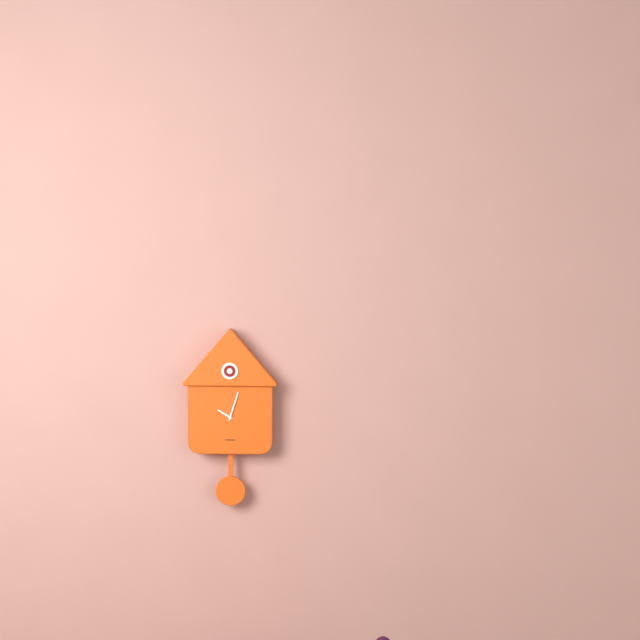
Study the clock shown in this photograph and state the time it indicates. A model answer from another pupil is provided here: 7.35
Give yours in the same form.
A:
10.03
